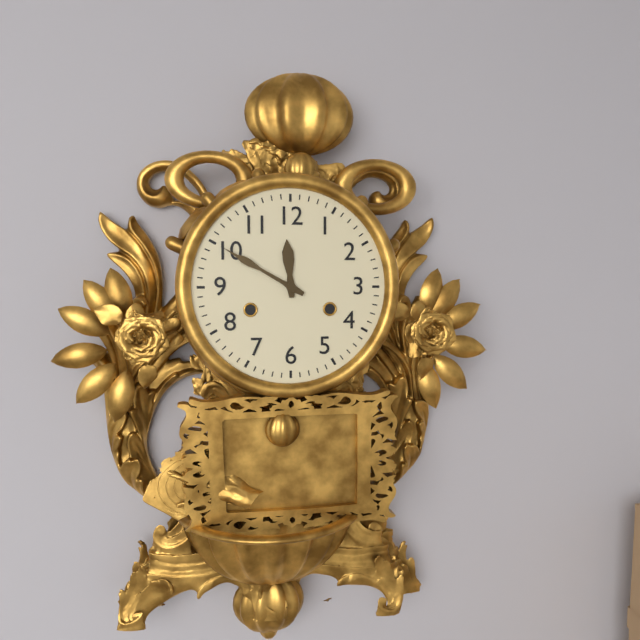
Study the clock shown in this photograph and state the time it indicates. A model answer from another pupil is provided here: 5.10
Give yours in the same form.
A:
11.50
